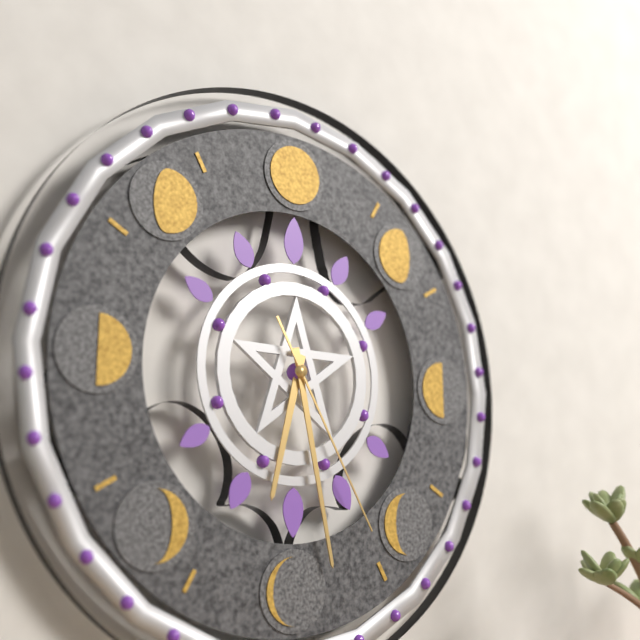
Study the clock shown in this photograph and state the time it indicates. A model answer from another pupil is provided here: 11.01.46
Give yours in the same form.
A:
6.28.25
